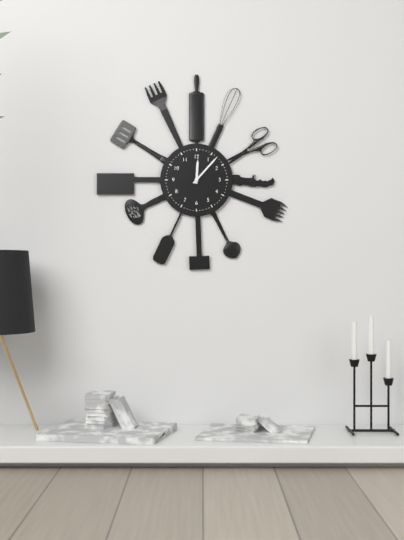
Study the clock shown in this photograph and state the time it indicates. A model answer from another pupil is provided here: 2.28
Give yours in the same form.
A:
12.07
